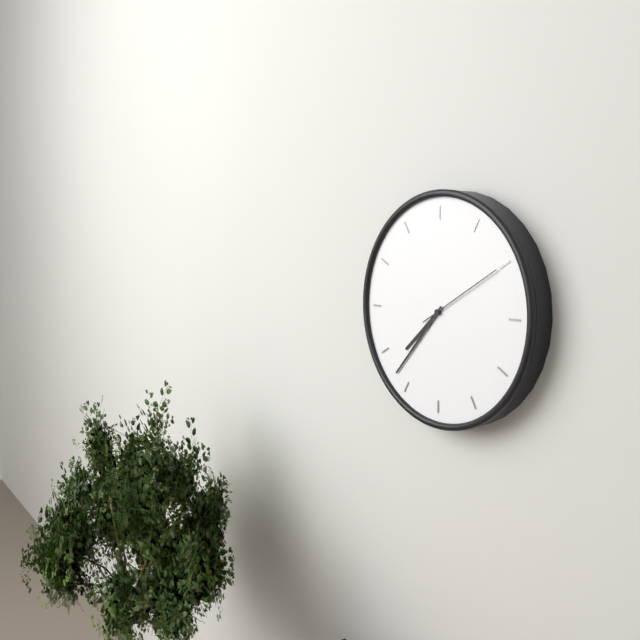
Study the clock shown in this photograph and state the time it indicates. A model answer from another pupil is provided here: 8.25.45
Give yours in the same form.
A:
7.37.10
